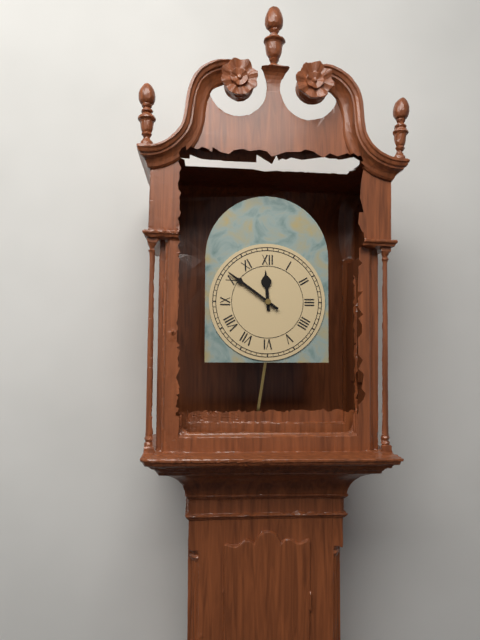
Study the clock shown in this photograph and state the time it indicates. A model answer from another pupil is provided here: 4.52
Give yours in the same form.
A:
11.51
